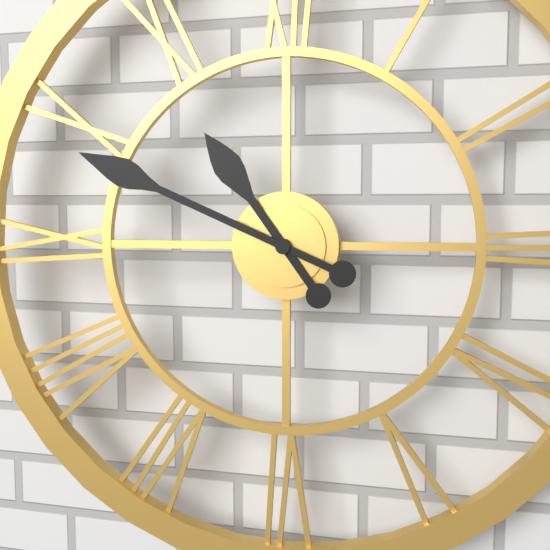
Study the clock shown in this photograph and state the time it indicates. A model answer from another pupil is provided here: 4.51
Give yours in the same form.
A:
10.49
